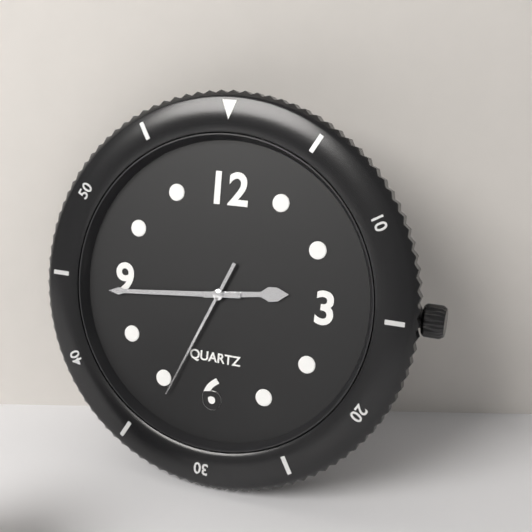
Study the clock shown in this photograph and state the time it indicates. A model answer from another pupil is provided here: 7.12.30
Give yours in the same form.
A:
2.44.34
